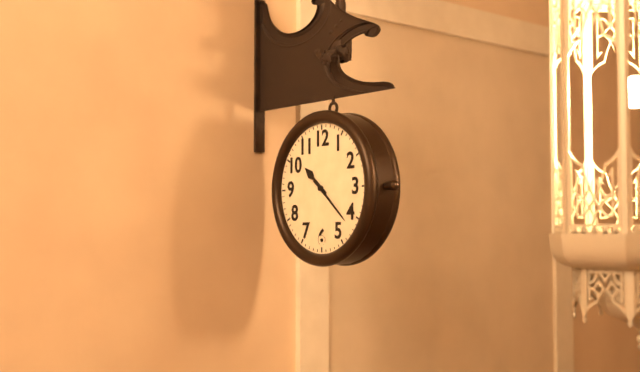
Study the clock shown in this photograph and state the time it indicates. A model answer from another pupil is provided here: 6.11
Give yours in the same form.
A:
10.22
